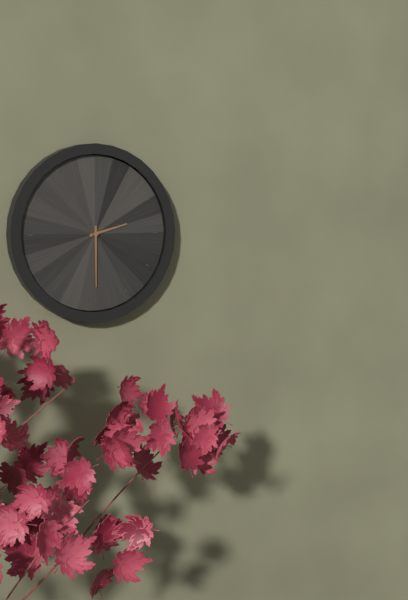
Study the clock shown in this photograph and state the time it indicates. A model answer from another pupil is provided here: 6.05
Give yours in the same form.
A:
2.30
